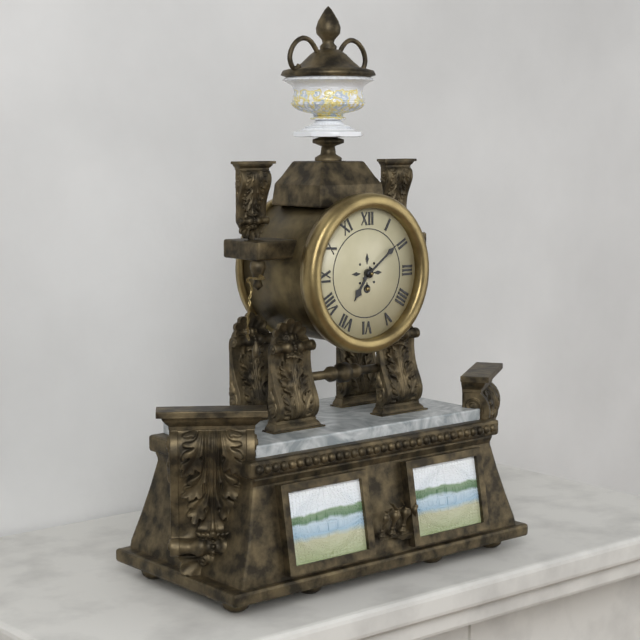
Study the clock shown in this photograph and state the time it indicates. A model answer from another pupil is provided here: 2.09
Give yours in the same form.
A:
7.09
